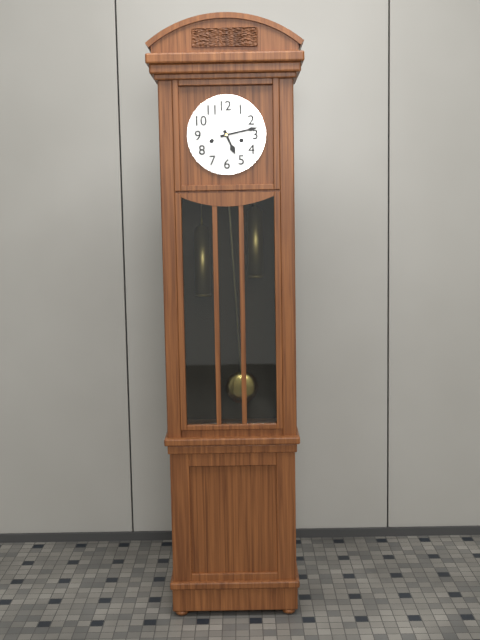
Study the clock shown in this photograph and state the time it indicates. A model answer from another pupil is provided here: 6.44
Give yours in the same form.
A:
5.13
